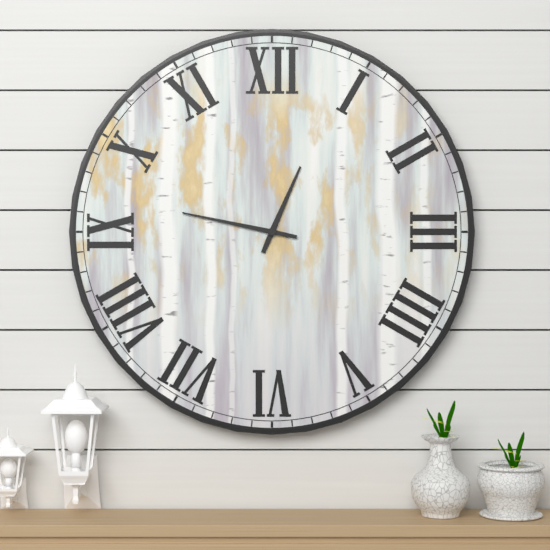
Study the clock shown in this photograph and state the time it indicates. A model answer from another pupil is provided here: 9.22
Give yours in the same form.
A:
12.47
